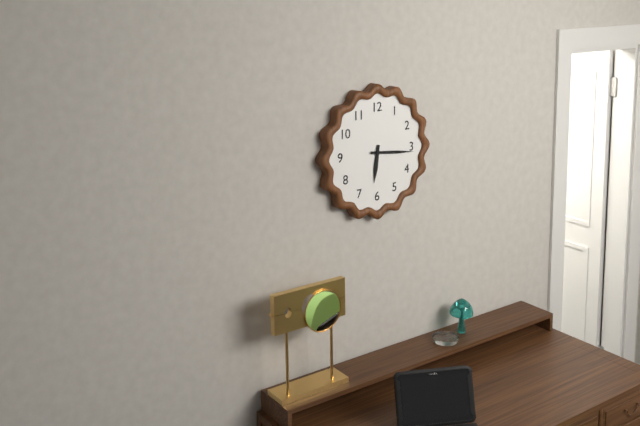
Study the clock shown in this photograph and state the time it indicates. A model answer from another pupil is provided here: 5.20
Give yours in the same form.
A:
6.16
